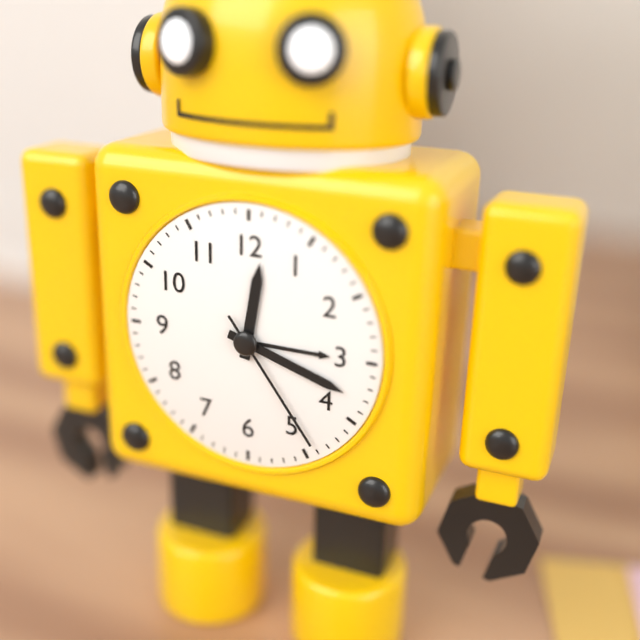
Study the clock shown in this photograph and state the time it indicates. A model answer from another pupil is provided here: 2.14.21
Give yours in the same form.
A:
12.18.24
